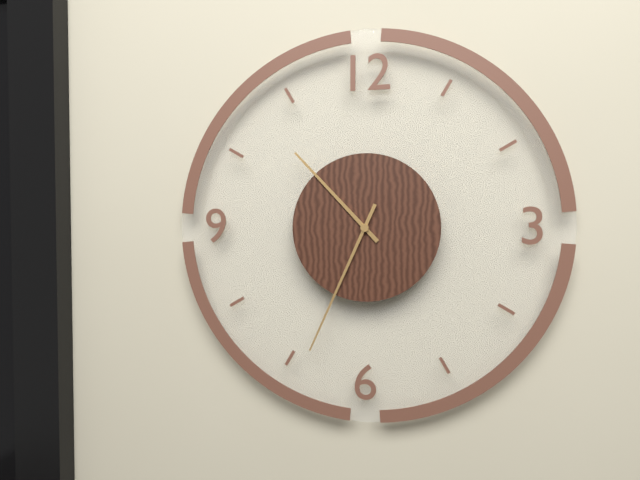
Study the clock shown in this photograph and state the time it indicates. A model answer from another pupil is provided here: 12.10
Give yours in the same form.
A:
10.34
